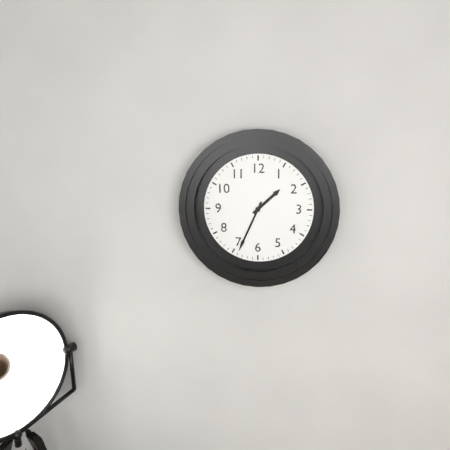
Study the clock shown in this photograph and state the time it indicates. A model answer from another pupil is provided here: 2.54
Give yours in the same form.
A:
1.34
